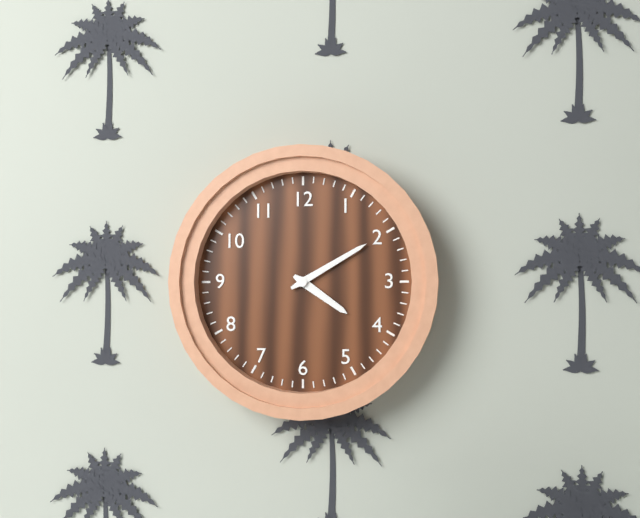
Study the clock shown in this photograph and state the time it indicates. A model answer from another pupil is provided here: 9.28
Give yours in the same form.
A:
4.10
